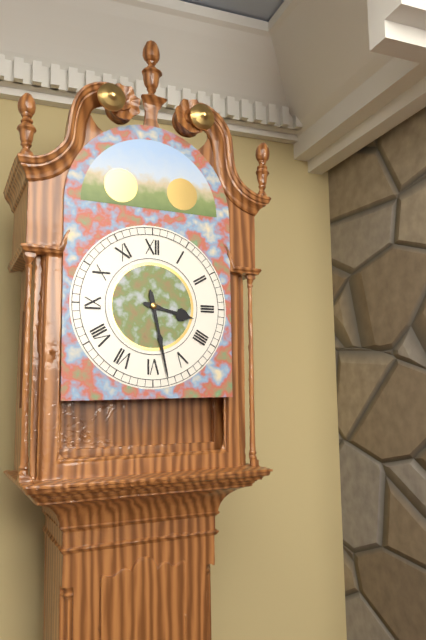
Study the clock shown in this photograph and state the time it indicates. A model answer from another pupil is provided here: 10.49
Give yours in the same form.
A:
3.28
